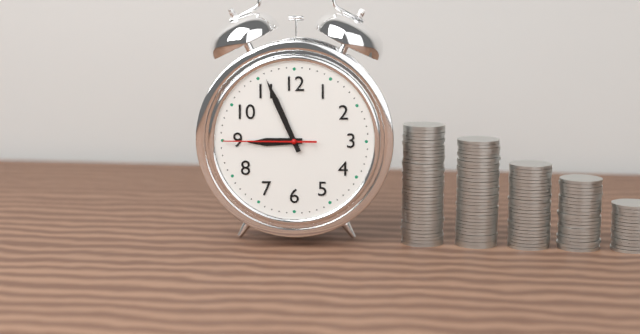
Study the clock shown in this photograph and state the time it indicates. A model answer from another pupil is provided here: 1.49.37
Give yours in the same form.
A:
8.56.45
